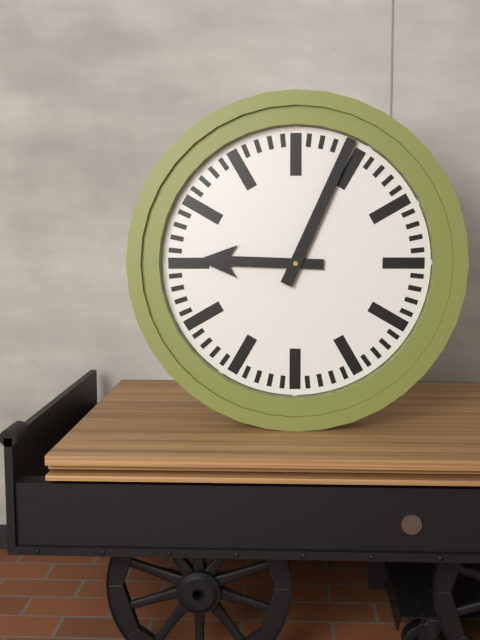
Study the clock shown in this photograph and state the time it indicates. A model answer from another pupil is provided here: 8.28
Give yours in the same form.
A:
9.04
